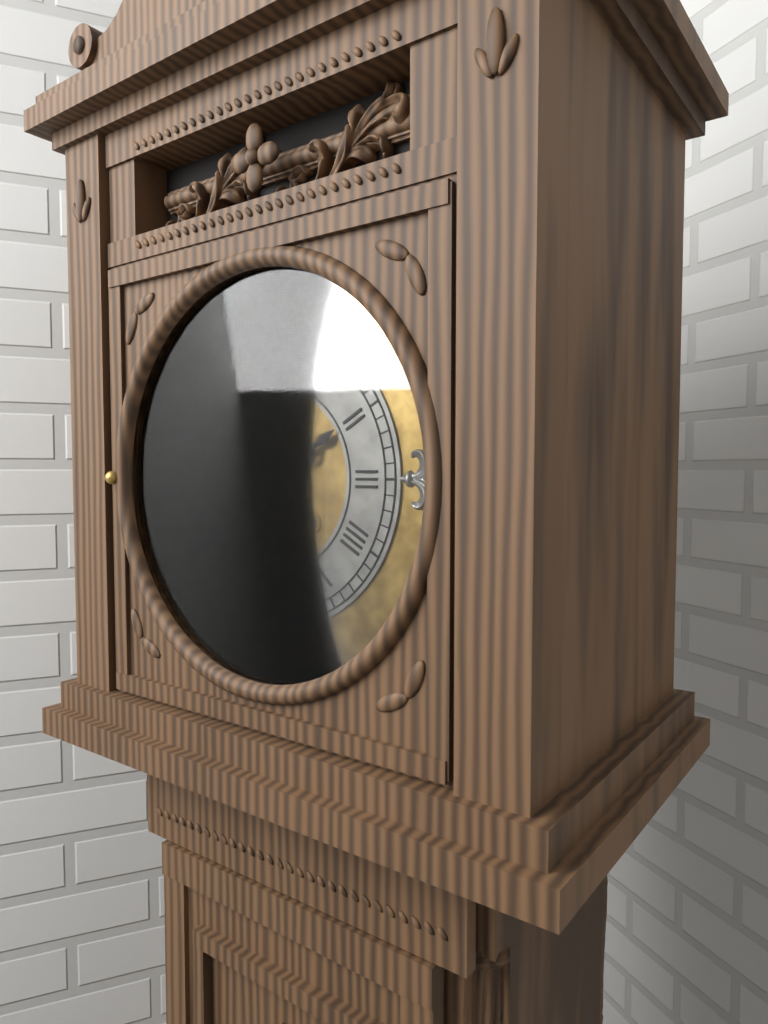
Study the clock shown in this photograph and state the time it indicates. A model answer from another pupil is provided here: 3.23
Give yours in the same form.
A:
1.57
